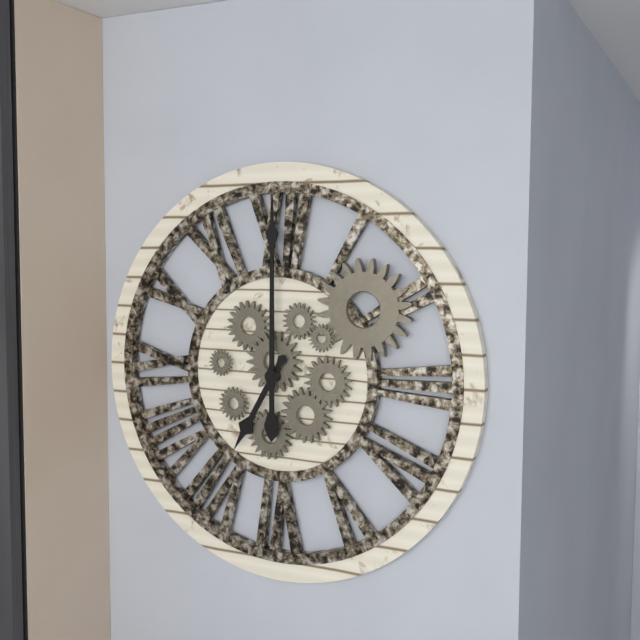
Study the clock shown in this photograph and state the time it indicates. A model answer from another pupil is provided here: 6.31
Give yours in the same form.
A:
7.00
